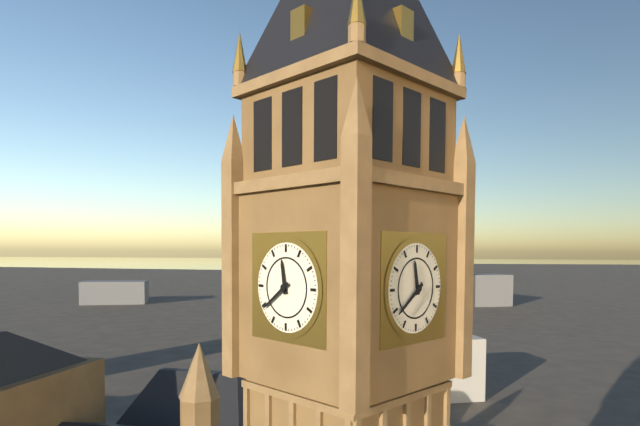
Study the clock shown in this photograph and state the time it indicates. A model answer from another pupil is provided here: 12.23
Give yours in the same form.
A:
11.39
